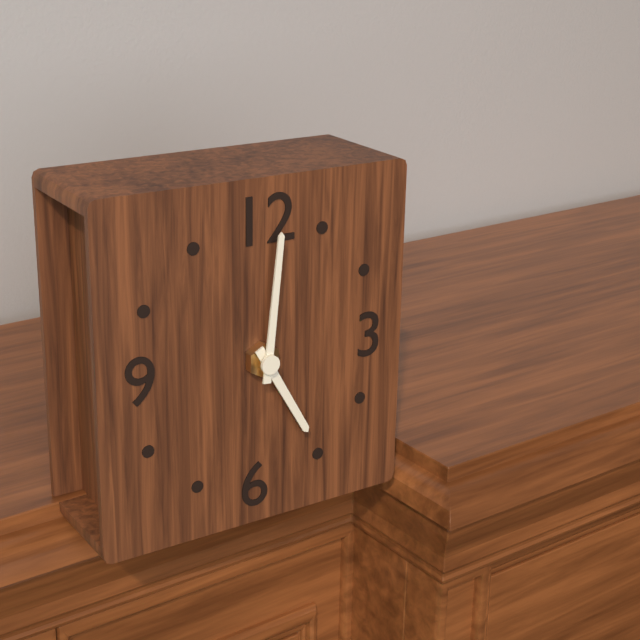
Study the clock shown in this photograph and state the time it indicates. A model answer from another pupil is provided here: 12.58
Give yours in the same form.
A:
5.01
